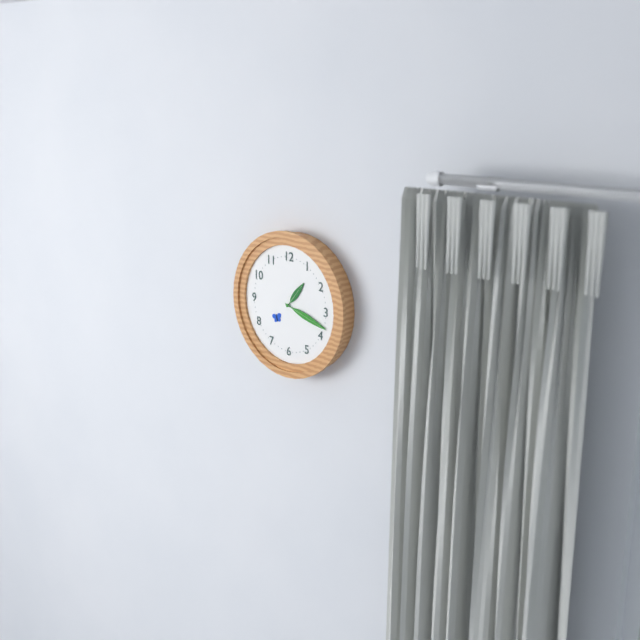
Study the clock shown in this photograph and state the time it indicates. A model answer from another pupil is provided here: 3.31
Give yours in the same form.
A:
1.18
